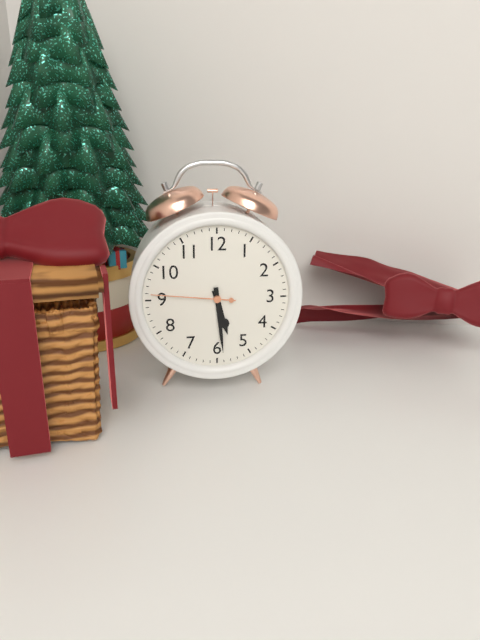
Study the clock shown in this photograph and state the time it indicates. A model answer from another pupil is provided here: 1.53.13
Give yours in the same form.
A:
5.29.46
